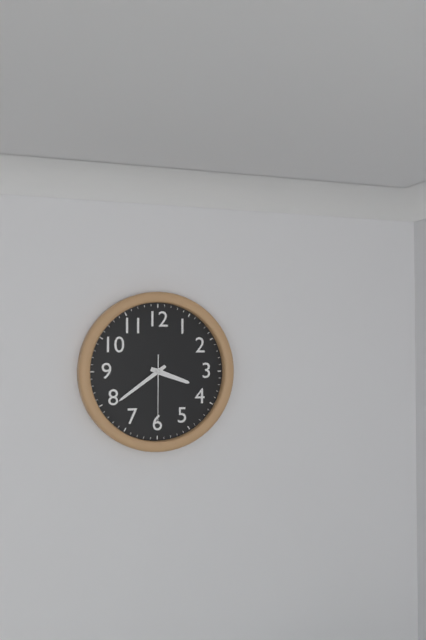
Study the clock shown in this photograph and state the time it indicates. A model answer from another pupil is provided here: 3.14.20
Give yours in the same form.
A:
3.39.30
